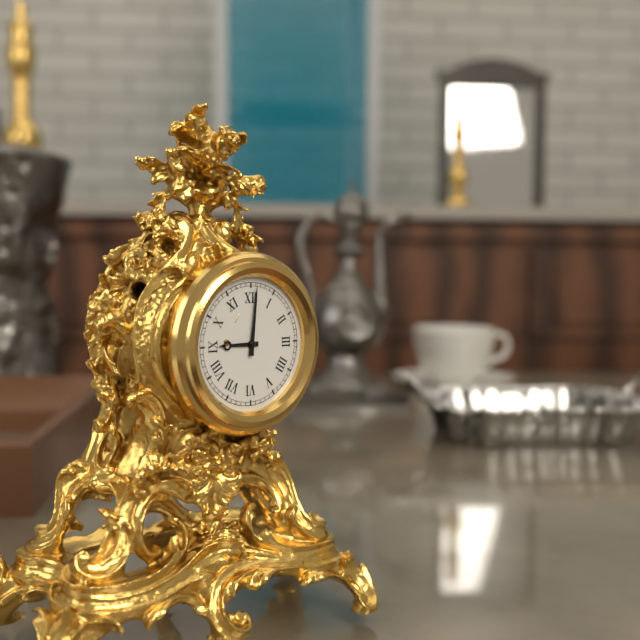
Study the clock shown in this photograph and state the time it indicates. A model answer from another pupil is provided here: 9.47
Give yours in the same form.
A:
9.01
